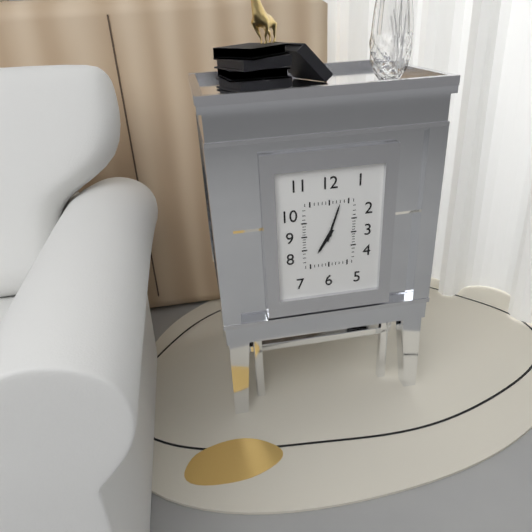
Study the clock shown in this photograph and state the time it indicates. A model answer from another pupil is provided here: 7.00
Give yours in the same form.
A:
7.03
